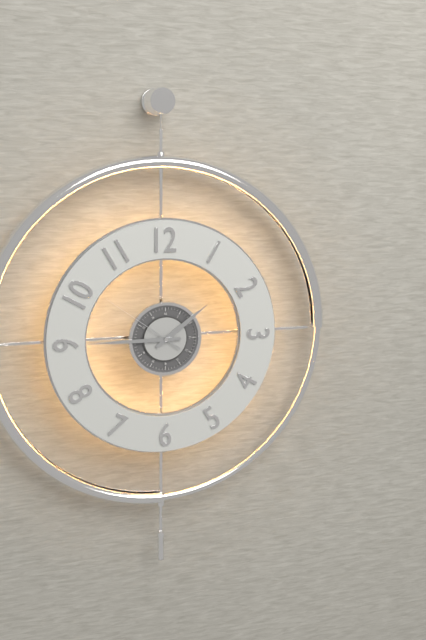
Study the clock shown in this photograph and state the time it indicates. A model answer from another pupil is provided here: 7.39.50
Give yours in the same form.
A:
1.45.51
